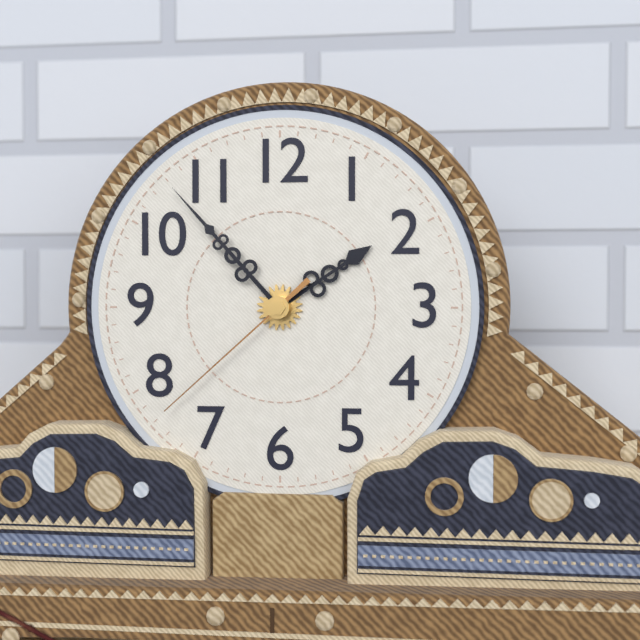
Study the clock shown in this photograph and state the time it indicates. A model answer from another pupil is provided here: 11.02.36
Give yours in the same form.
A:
1.53.38
